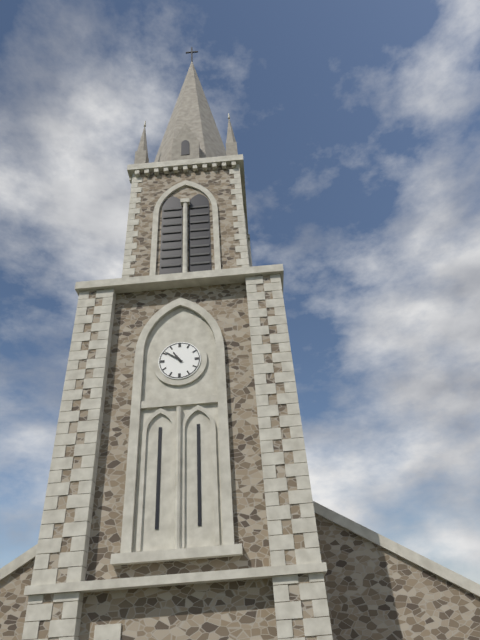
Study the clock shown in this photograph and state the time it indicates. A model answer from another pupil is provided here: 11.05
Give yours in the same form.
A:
10.51
